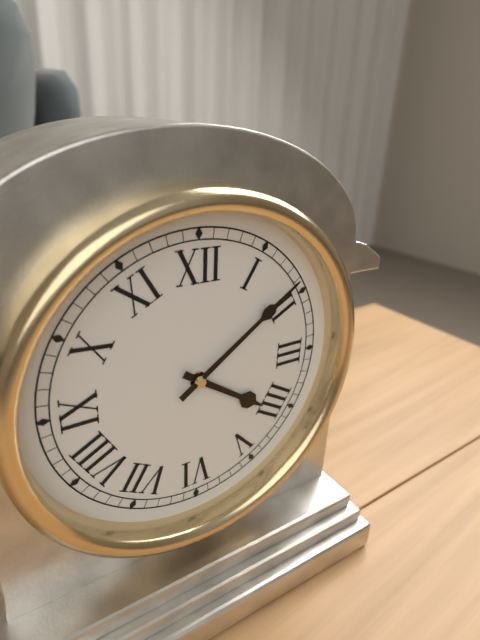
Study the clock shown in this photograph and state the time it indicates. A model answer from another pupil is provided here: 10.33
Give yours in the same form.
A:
4.09
